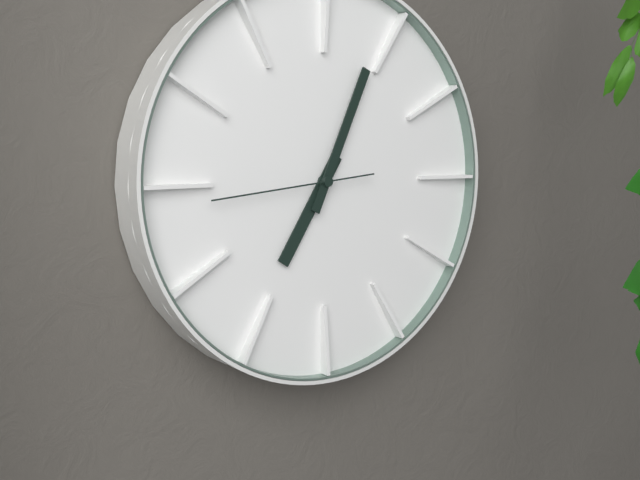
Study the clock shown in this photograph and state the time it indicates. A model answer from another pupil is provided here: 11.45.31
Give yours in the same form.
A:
7.04.44
